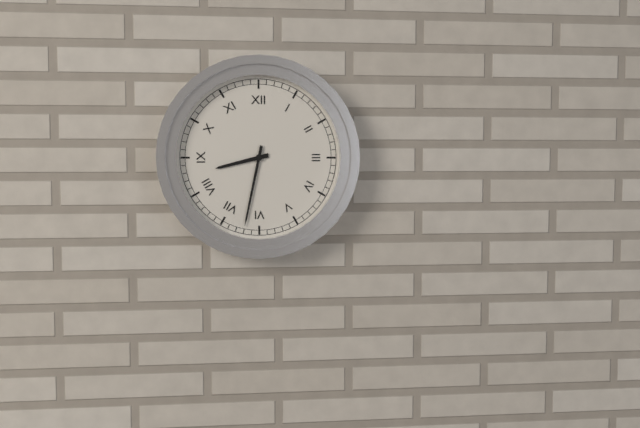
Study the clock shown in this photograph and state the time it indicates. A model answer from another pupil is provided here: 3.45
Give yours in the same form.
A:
8.32
